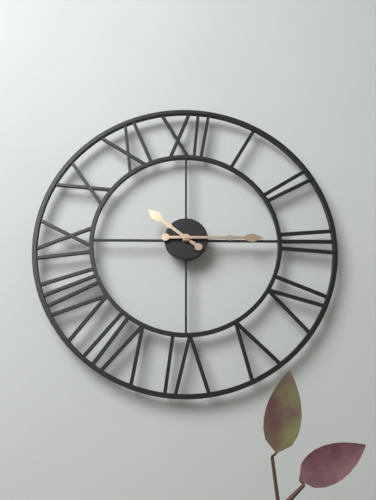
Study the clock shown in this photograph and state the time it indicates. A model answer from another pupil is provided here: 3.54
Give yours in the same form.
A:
10.15
